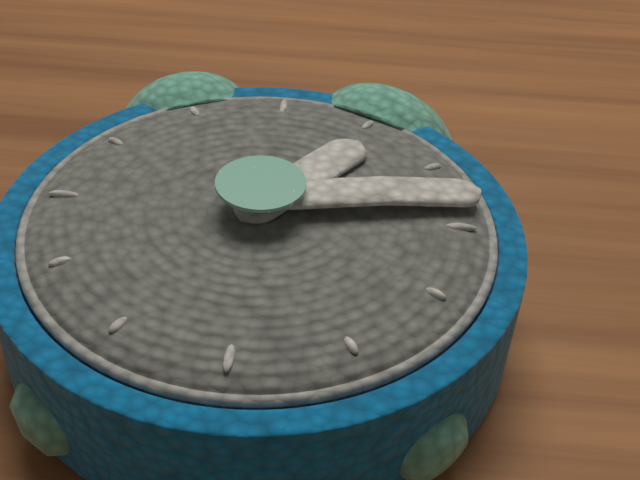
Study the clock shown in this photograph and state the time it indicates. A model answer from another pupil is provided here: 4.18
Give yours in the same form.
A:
1.13
